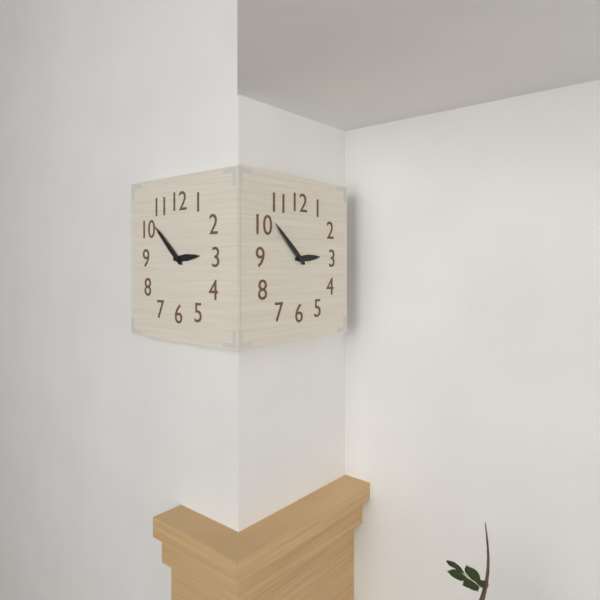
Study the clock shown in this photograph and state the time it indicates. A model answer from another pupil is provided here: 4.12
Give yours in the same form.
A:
2.52
